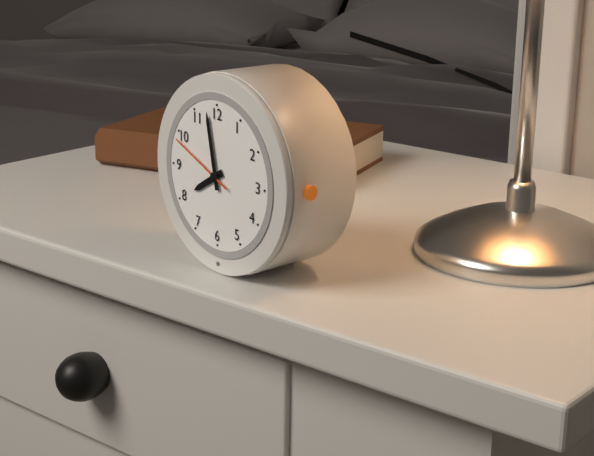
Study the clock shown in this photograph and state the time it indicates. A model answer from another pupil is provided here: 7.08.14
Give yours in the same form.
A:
7.58.49
